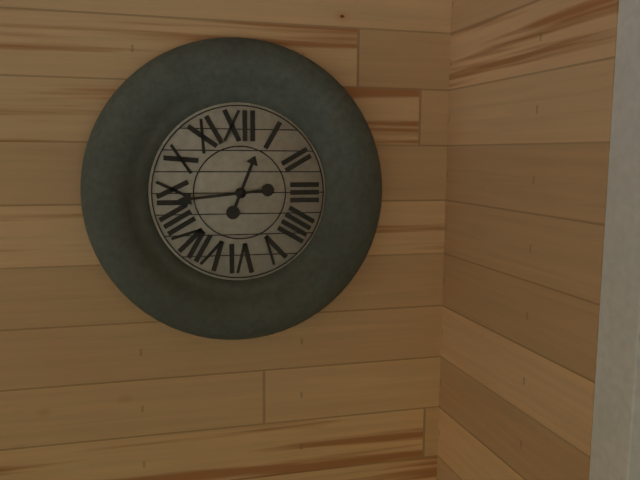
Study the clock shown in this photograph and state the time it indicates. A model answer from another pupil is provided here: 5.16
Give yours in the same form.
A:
12.44
